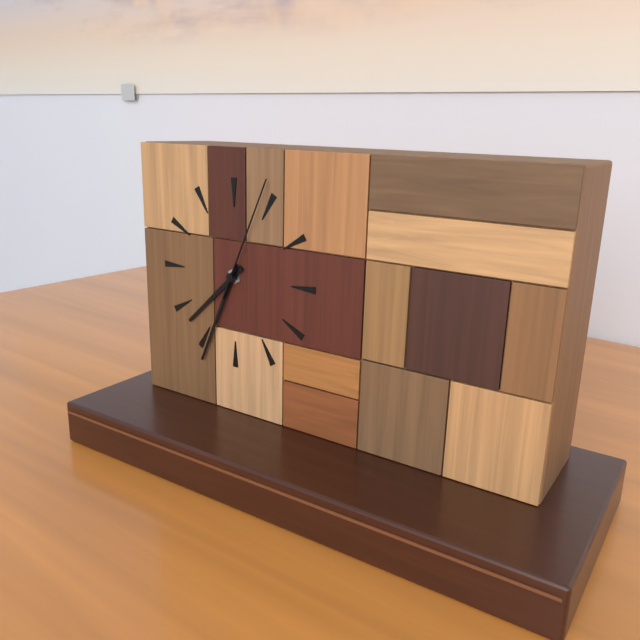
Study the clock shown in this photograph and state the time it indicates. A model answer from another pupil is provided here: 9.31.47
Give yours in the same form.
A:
7.34.04
